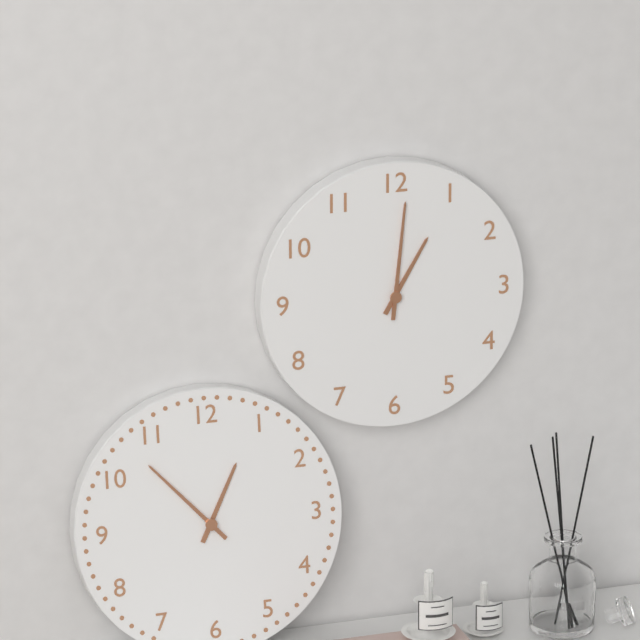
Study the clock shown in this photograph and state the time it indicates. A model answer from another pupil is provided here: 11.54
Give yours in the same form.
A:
1.01
